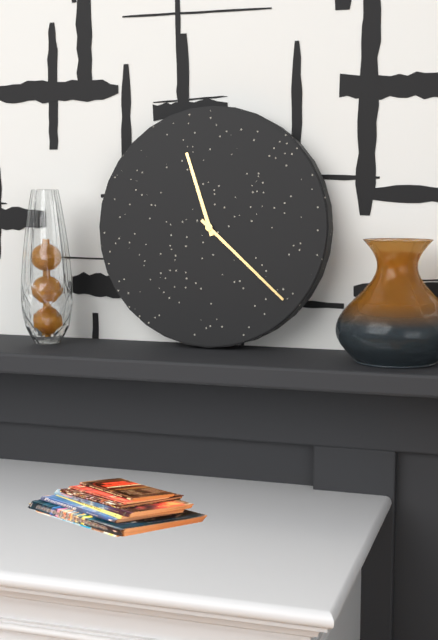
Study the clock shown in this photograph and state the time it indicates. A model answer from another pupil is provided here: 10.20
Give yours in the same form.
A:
11.22
